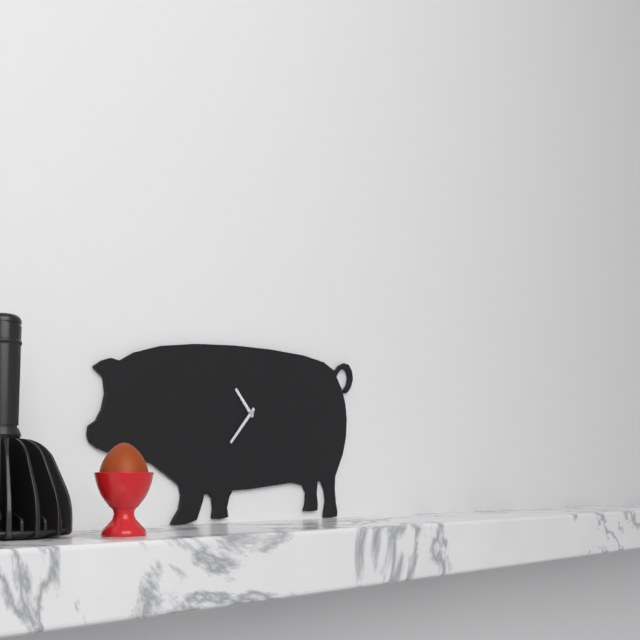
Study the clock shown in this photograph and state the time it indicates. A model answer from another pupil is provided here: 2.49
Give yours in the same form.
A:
10.37
